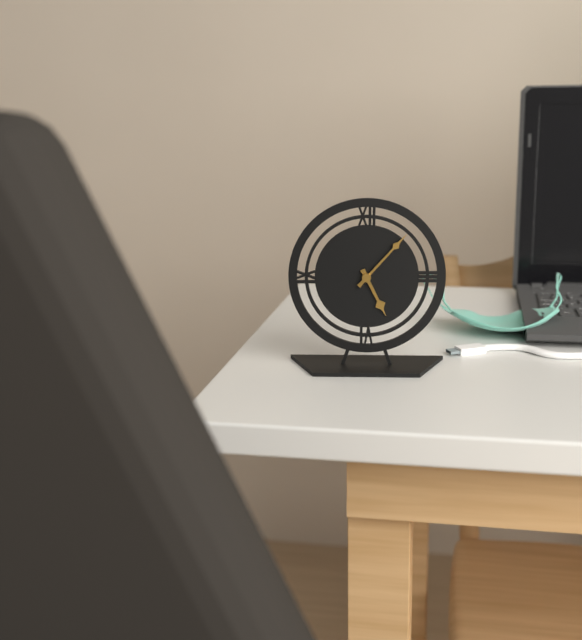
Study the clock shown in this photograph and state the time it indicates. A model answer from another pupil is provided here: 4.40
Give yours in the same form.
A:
5.07
